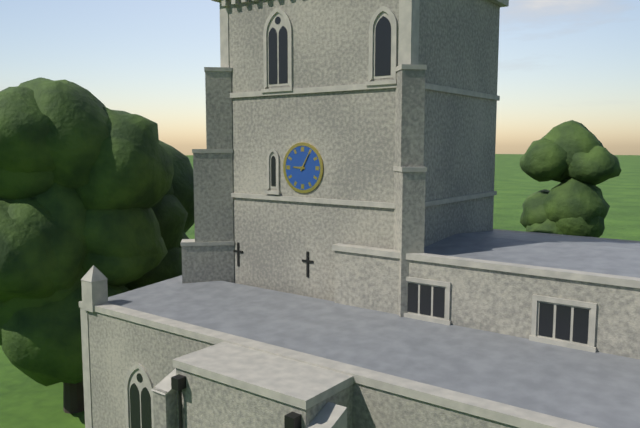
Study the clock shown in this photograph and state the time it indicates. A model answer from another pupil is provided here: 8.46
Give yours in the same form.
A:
9.05
